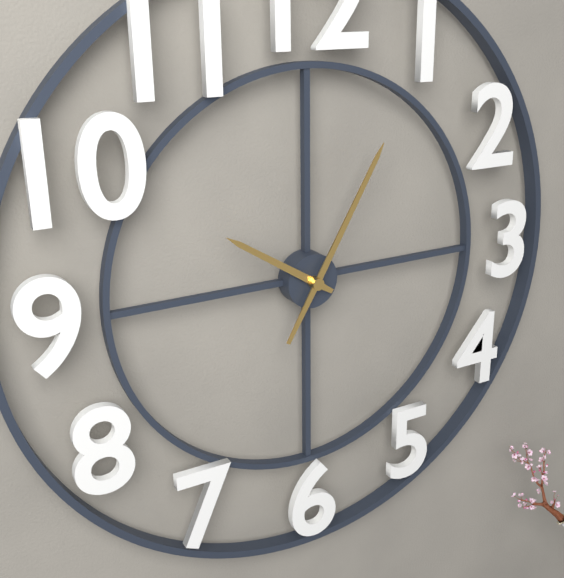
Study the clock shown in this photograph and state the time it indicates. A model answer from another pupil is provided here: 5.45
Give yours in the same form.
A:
10.05
